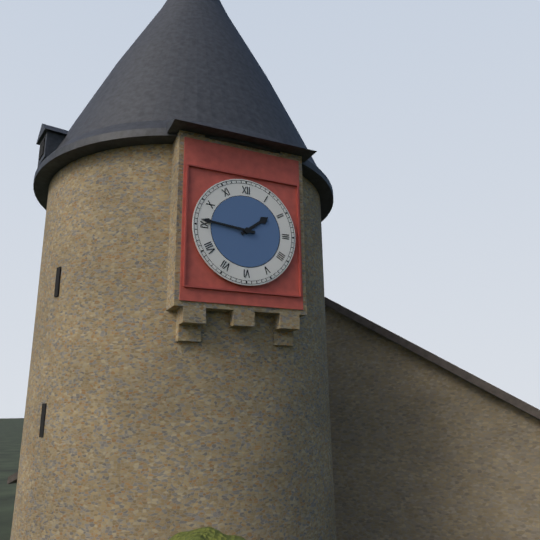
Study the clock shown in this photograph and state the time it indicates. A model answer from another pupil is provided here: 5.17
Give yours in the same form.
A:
1.46
